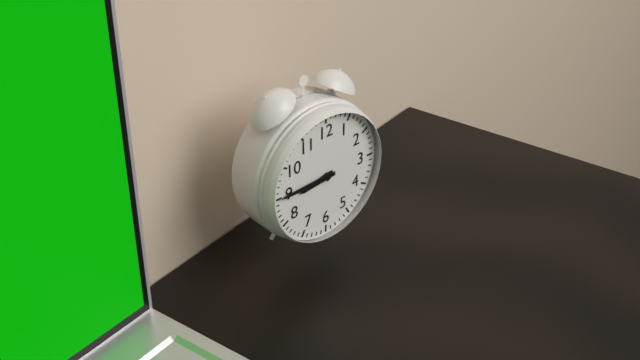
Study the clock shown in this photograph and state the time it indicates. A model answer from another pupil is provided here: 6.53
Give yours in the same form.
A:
8.45
